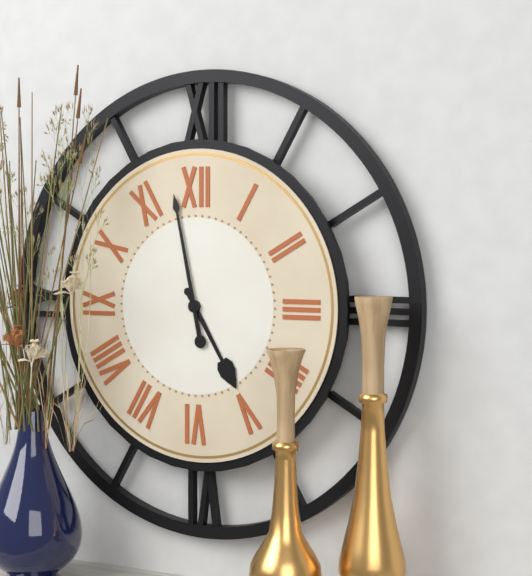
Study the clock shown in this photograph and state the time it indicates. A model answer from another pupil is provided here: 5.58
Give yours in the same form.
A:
4.58
